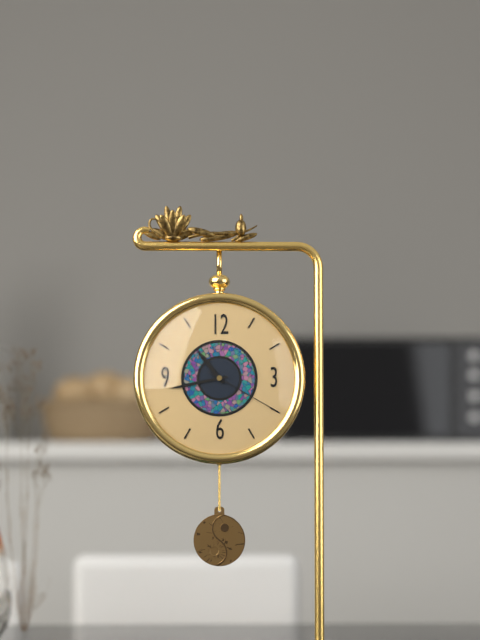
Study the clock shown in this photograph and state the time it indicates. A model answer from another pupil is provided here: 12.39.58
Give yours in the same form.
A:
10.43.20
